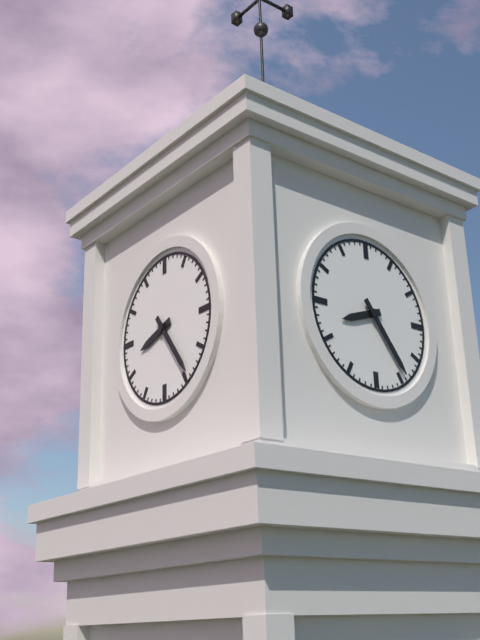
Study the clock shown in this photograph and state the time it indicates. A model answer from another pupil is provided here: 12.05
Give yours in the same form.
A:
8.24
